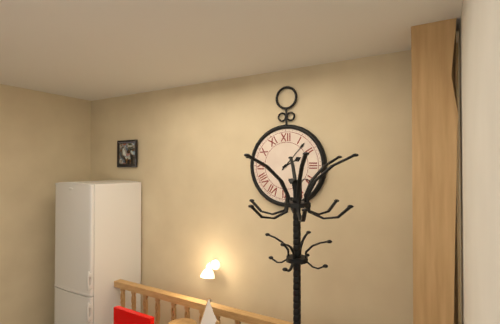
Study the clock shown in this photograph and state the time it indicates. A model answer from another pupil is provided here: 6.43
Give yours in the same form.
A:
2.07
